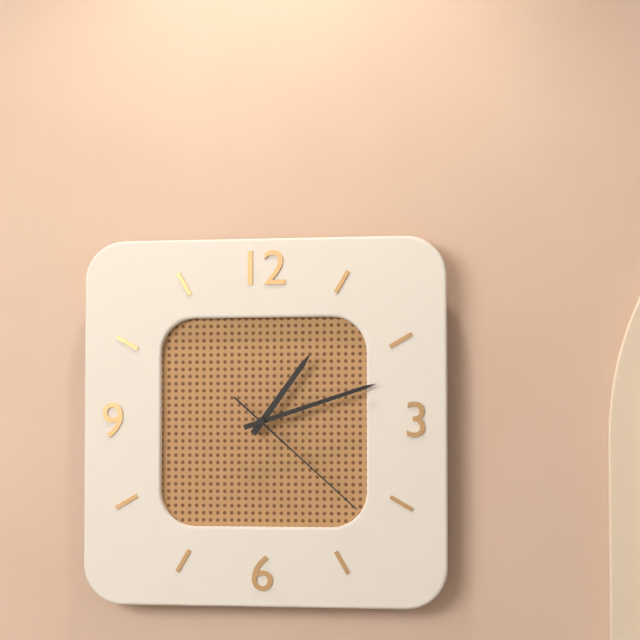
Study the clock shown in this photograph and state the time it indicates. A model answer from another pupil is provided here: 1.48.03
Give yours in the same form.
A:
1.12.22
